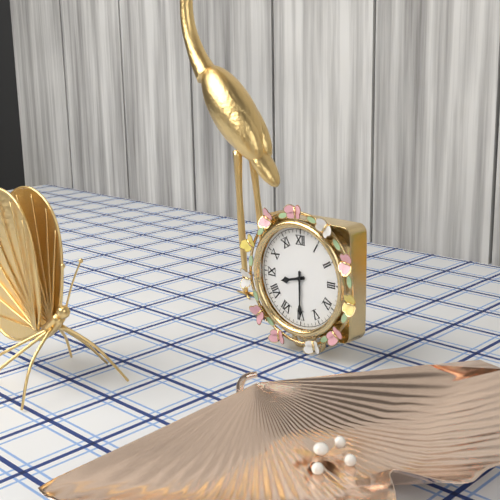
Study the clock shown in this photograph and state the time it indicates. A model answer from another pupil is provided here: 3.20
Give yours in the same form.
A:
8.30
